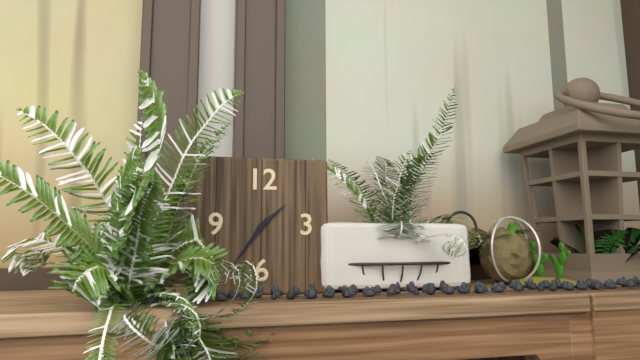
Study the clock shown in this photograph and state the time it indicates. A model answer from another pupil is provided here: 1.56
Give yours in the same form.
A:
1.36
